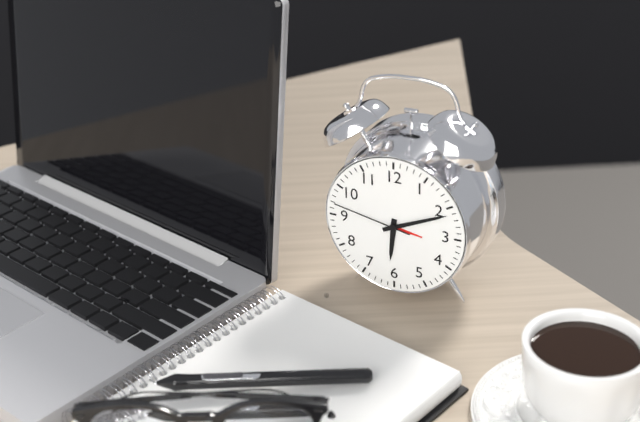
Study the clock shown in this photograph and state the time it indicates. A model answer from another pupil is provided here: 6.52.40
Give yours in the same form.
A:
6.11.47
